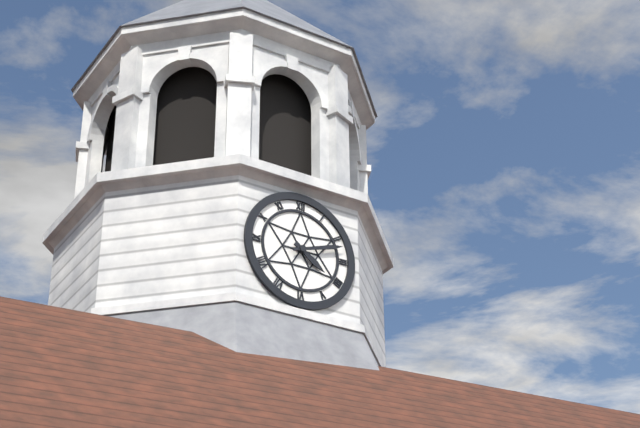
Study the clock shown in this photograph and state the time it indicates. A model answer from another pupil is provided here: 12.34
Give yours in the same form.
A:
4.12
